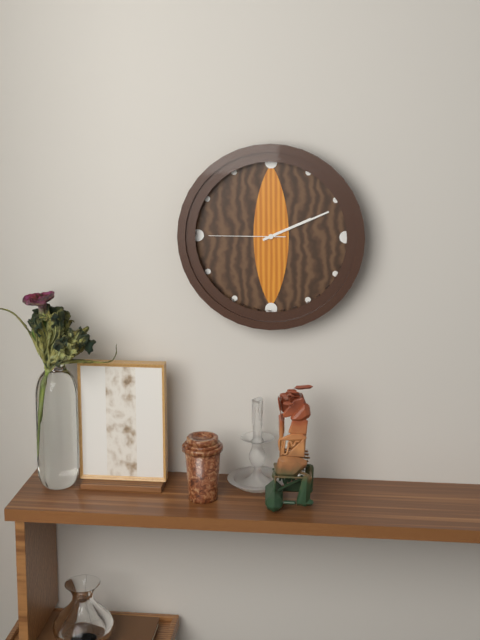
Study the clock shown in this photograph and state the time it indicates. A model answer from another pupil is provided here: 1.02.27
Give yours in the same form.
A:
2.11.45
